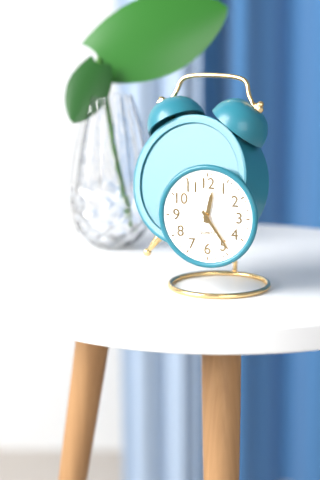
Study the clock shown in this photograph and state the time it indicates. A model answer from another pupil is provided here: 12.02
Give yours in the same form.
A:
12.24
